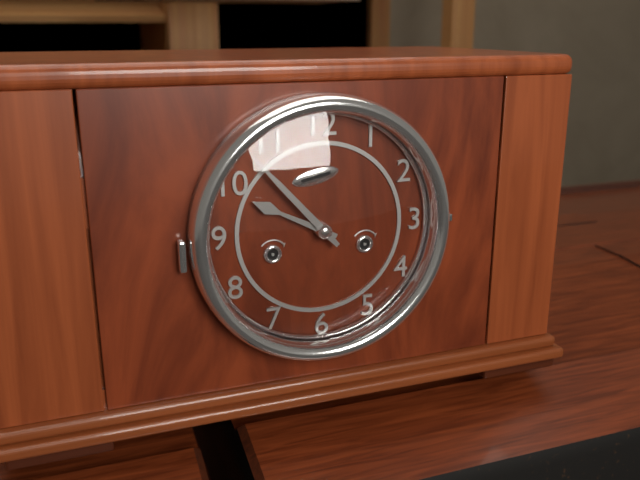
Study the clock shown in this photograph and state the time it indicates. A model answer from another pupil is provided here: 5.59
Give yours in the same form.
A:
9.53
